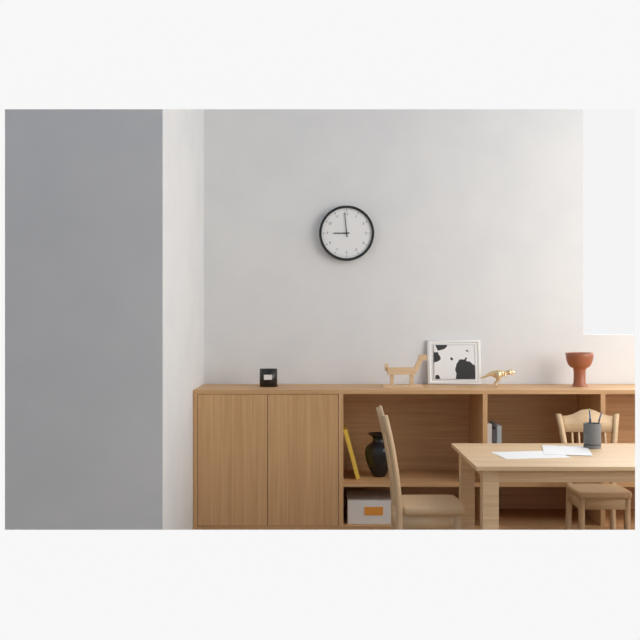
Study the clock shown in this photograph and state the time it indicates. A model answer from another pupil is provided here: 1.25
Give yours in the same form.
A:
8.59
